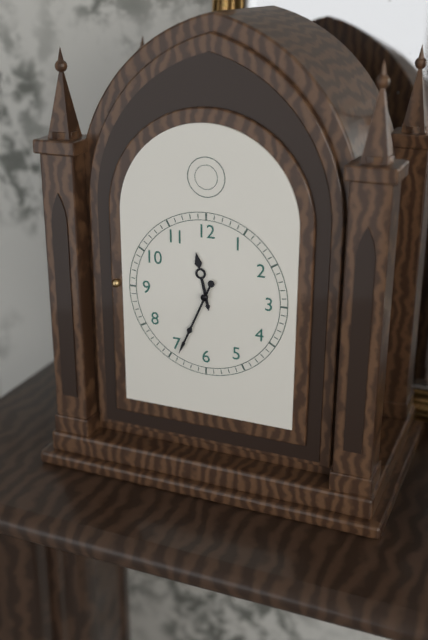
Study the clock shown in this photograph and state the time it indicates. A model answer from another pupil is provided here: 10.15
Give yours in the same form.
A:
11.34
